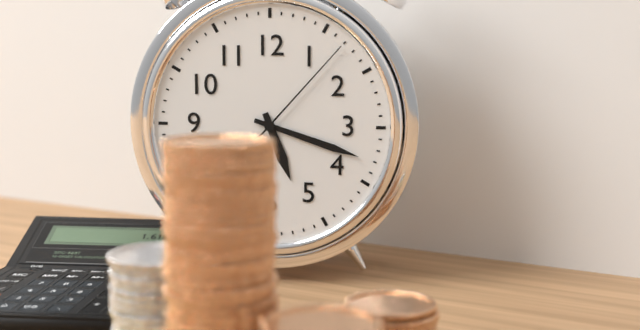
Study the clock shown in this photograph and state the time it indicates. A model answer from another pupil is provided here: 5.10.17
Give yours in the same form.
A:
5.18.07
